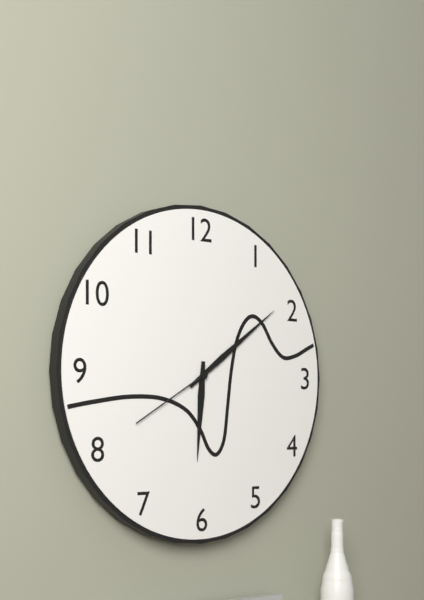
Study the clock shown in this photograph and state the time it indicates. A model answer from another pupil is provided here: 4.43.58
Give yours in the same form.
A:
6.09.40
